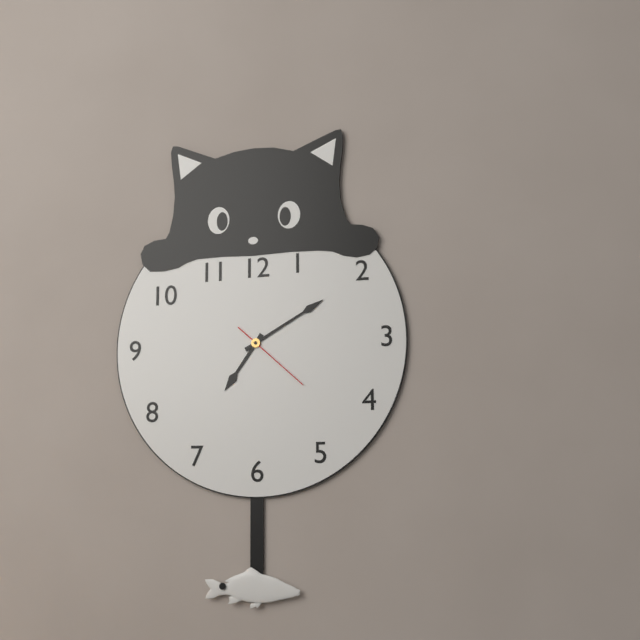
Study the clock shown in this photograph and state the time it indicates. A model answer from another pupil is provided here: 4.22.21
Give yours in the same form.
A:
7.10.22
